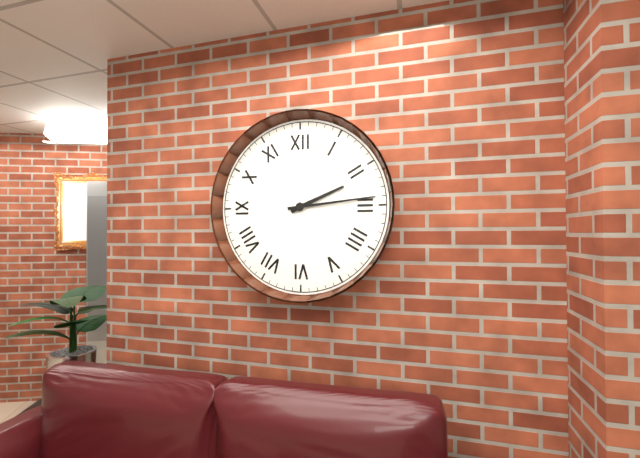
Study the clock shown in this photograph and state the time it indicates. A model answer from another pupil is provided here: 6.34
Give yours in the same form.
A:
2.14
